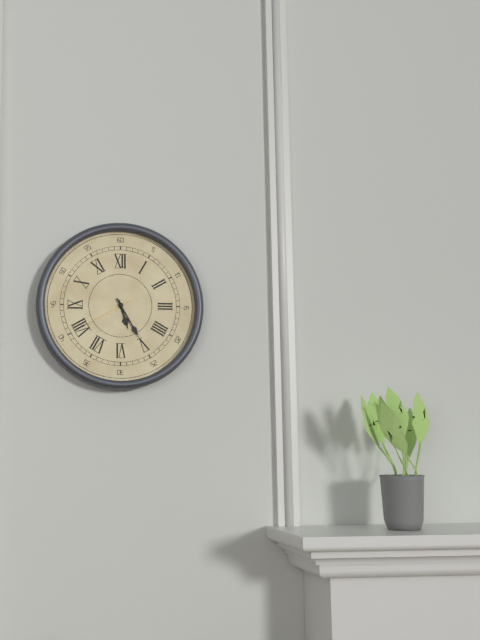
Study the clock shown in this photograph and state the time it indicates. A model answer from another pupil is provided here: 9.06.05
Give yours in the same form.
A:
5.25.40
